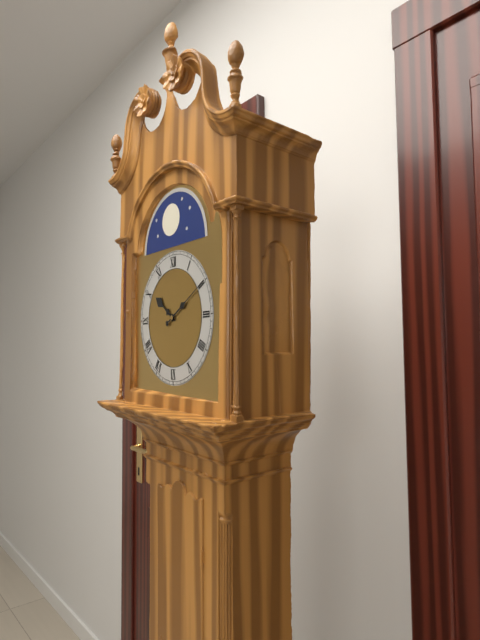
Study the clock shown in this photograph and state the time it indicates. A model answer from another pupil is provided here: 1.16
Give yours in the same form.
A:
10.10
